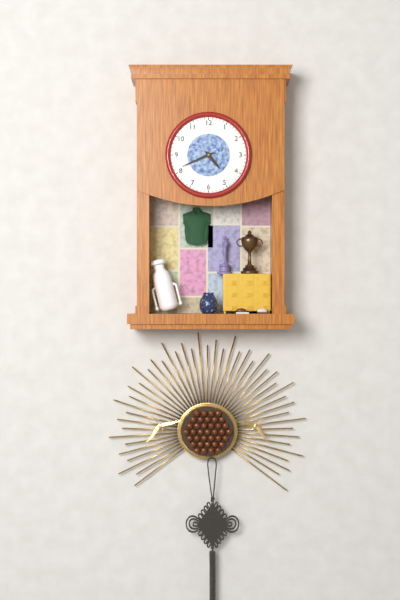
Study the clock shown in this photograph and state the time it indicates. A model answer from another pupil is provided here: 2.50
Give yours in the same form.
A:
4.41
